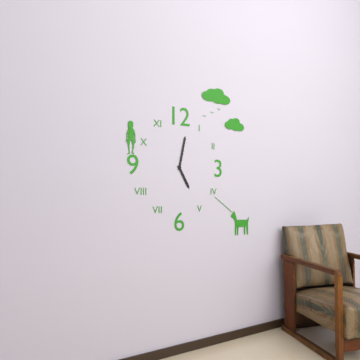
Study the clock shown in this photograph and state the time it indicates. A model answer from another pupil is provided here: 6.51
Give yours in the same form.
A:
5.02
